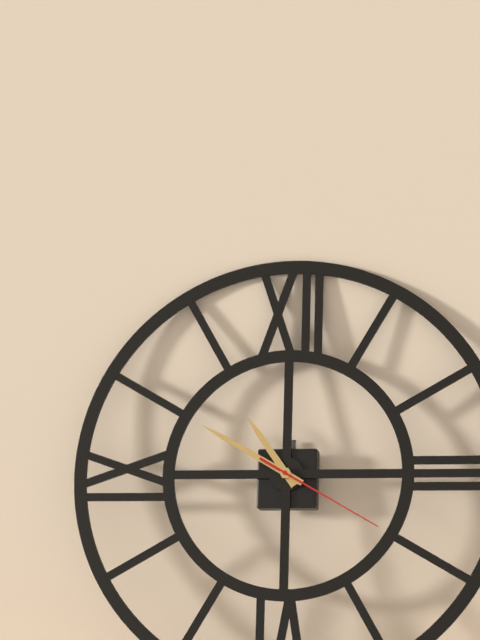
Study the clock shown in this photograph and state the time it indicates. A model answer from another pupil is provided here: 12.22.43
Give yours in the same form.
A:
10.50.20
